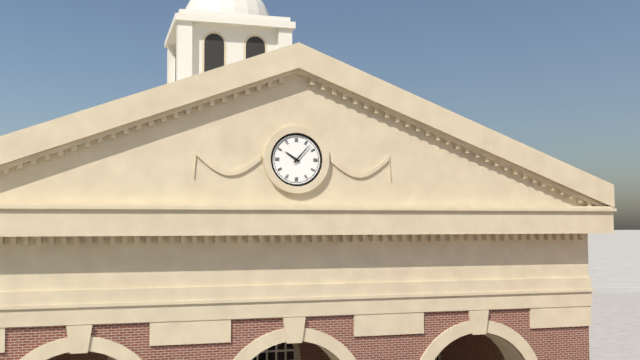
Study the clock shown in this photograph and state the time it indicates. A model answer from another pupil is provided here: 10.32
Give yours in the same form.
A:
10.07
